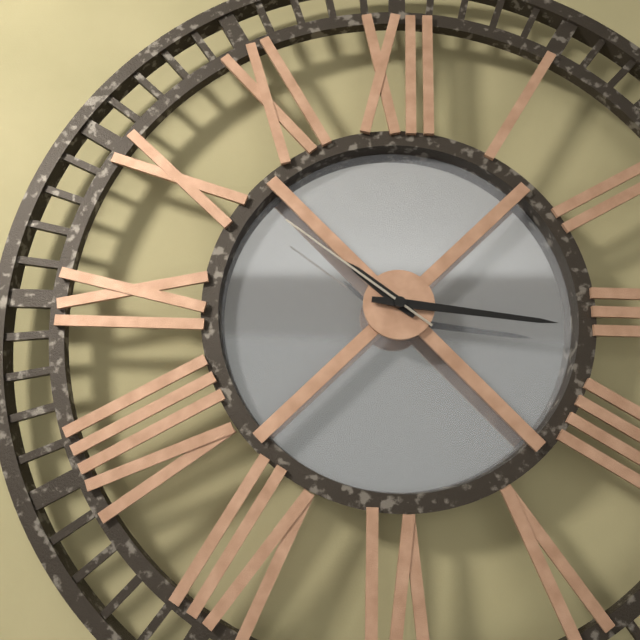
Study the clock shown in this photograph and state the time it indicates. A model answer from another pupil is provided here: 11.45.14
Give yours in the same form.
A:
10.16.51
